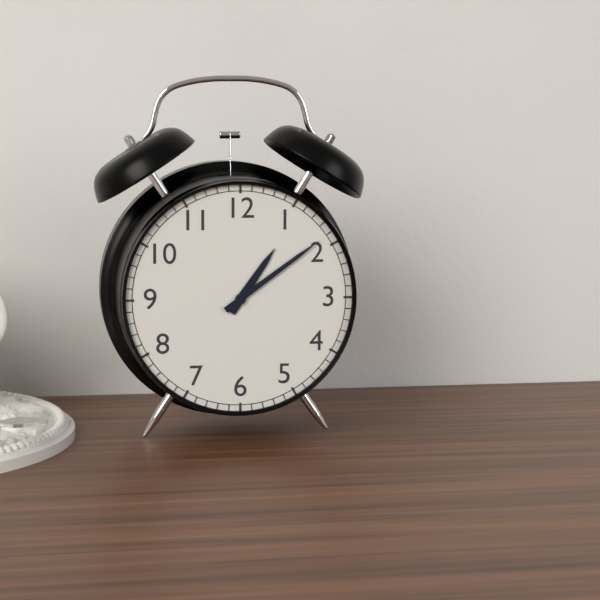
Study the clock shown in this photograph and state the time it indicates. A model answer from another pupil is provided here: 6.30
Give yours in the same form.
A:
1.09
